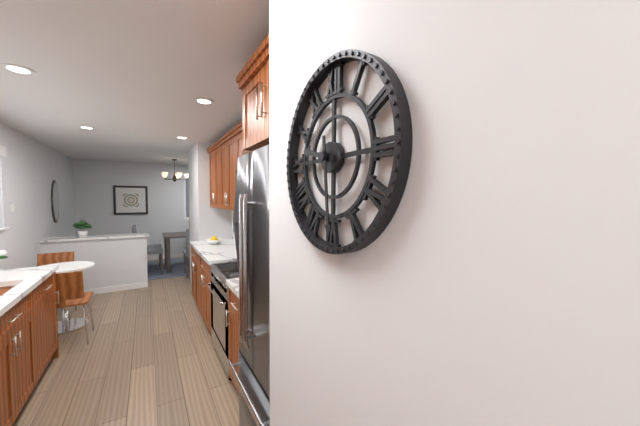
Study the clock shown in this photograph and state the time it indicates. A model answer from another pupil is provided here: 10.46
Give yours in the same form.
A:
9.29
